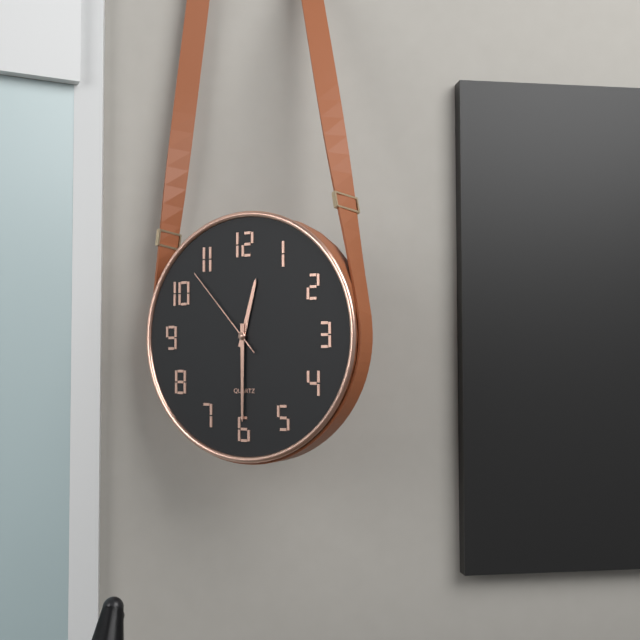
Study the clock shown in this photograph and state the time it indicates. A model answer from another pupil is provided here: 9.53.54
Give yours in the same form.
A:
12.30.53
